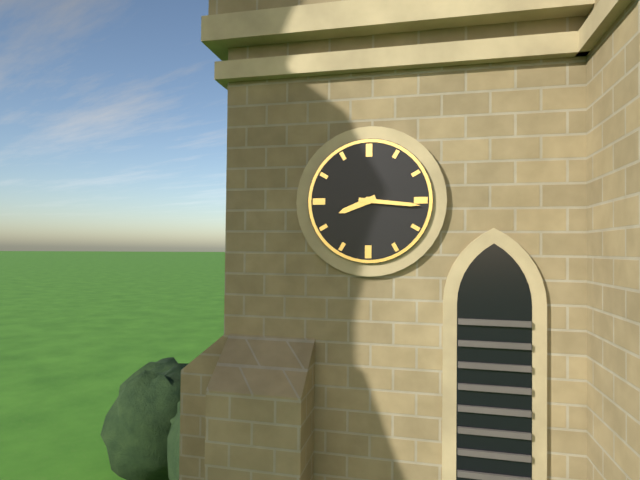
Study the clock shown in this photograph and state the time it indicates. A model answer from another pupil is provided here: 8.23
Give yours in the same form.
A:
8.16
